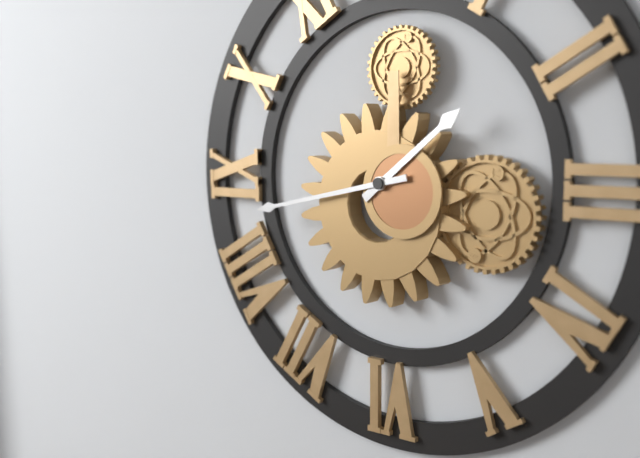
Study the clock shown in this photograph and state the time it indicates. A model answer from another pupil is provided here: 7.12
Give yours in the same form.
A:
1.43
